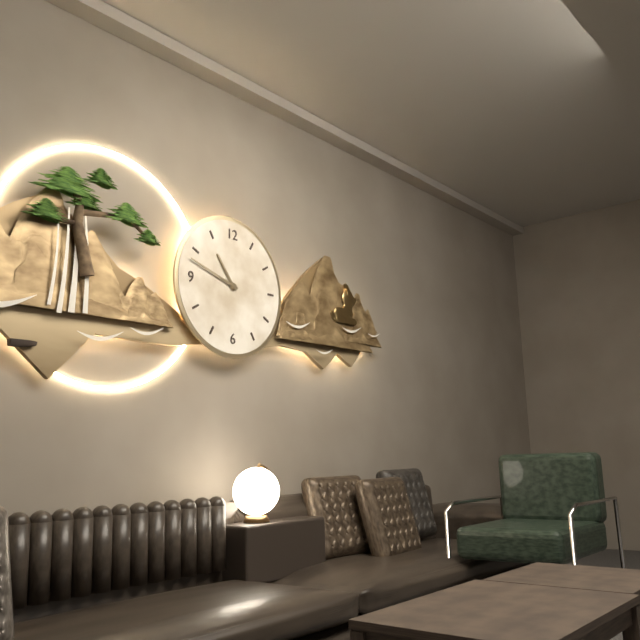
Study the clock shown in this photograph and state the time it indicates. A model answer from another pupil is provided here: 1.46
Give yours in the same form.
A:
10.48
